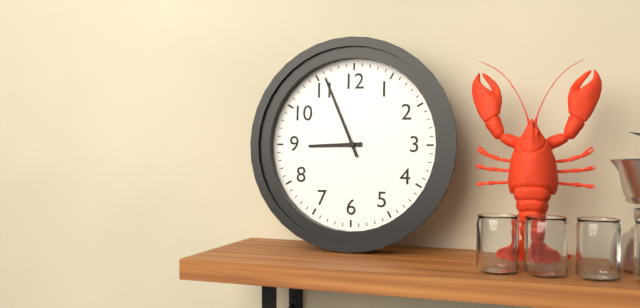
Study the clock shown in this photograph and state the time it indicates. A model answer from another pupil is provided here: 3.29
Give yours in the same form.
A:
8.56
